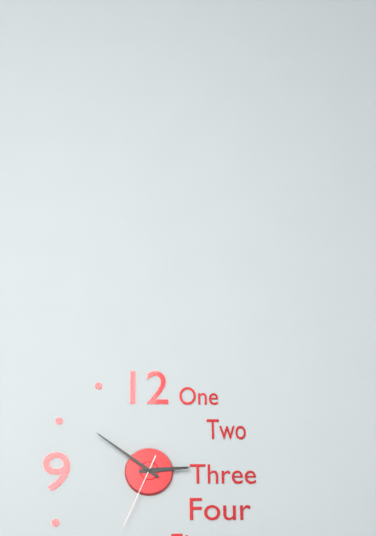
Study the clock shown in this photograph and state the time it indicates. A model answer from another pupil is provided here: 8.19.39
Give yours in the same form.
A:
2.51.34
